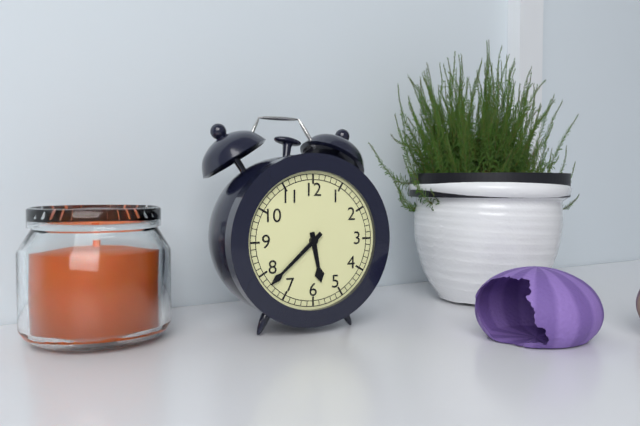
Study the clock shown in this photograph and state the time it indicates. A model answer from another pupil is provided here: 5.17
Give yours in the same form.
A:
5.38
